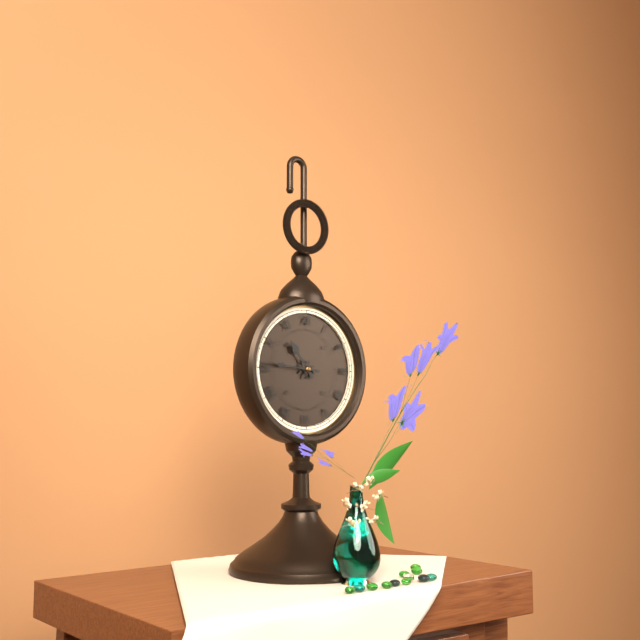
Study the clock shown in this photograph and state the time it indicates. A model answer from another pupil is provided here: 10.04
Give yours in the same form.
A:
10.46
